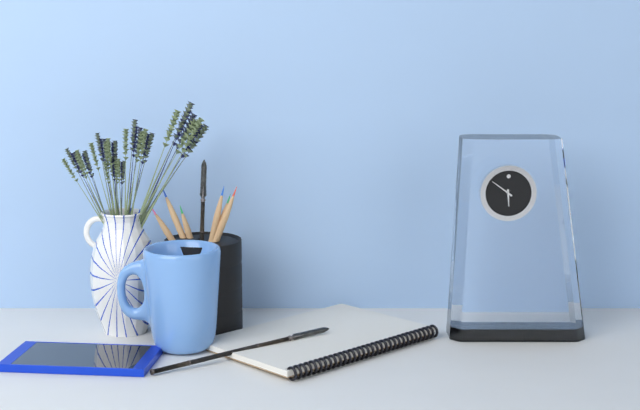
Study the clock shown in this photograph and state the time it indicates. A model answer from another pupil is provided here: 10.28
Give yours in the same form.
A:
5.51
